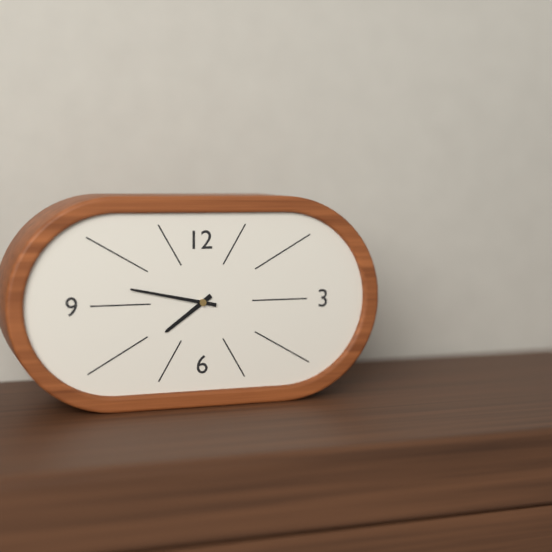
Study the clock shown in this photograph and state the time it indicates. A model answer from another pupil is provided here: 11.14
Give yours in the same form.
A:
7.47
